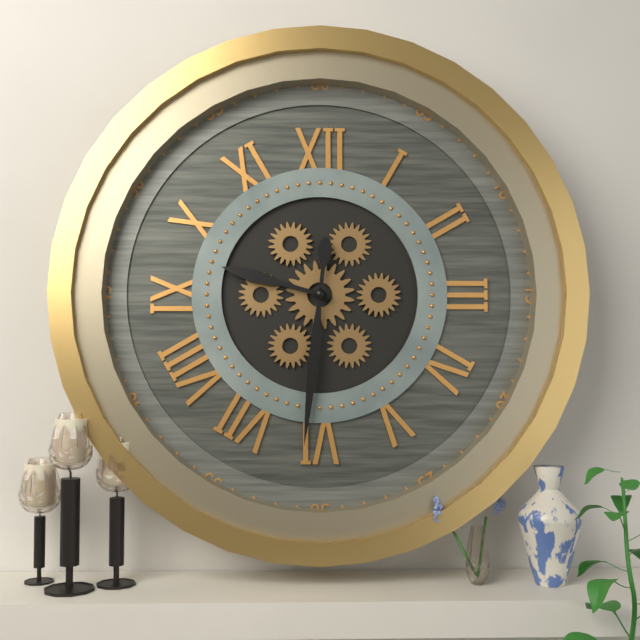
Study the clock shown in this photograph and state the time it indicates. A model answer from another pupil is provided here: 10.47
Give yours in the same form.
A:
9.31
